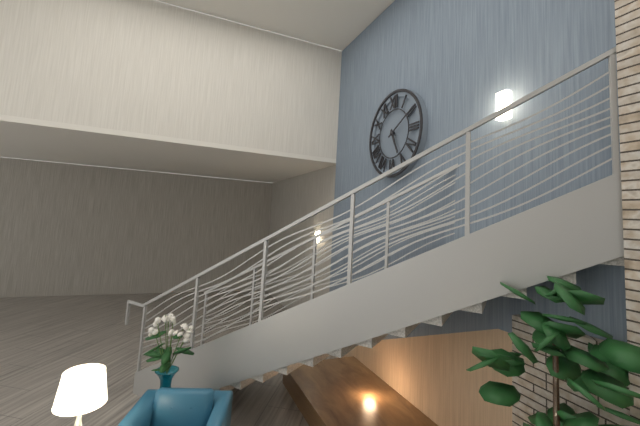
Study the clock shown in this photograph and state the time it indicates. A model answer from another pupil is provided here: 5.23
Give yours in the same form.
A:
5.10
